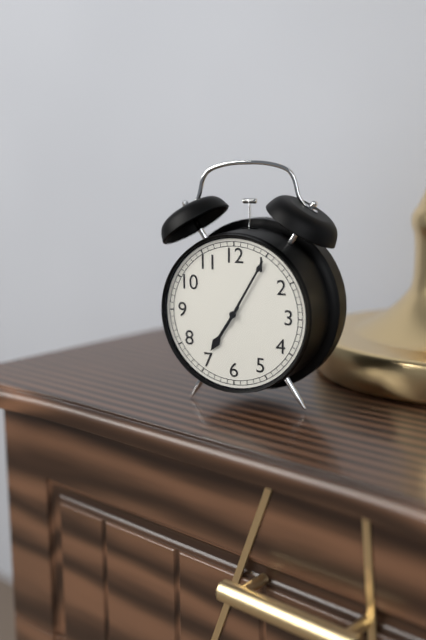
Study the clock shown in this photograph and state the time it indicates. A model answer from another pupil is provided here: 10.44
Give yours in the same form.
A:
7.05
